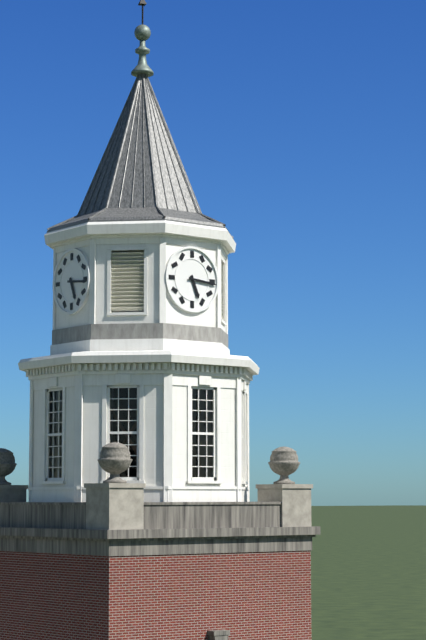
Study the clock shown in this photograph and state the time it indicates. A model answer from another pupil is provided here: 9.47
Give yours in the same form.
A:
5.16
